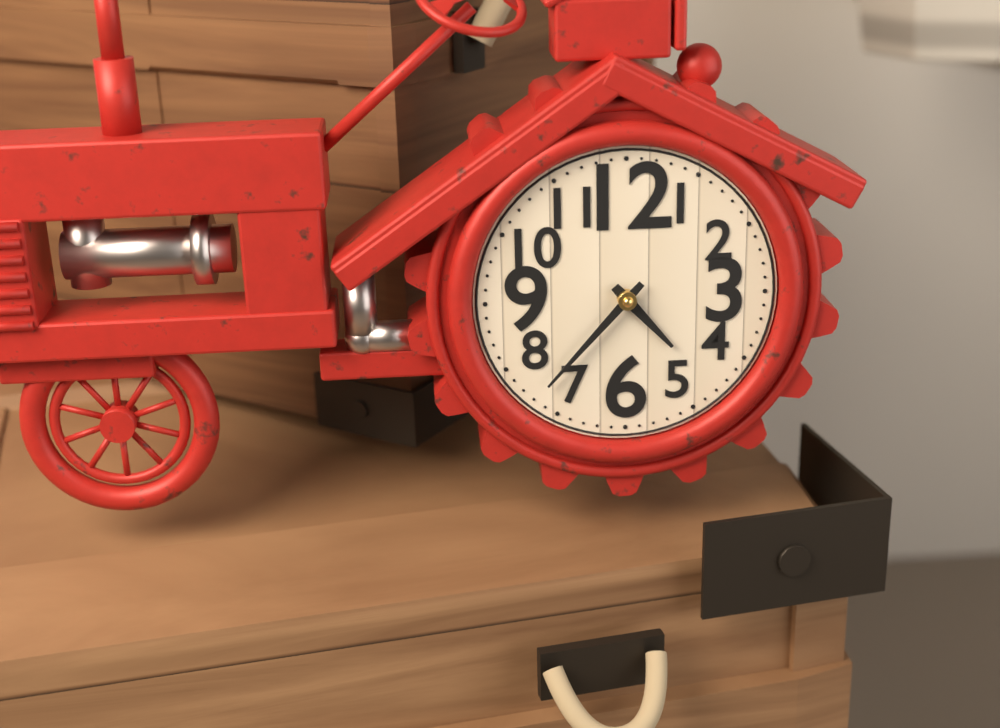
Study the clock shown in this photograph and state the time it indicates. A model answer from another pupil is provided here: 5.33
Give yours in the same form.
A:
4.37
